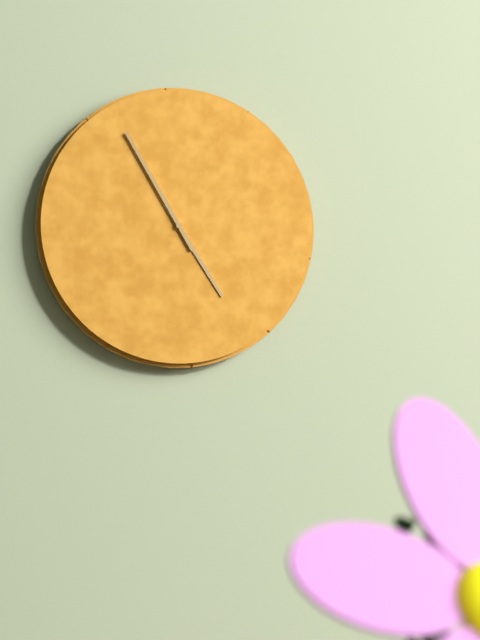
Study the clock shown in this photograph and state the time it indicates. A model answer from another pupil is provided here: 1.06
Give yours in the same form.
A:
4.55
